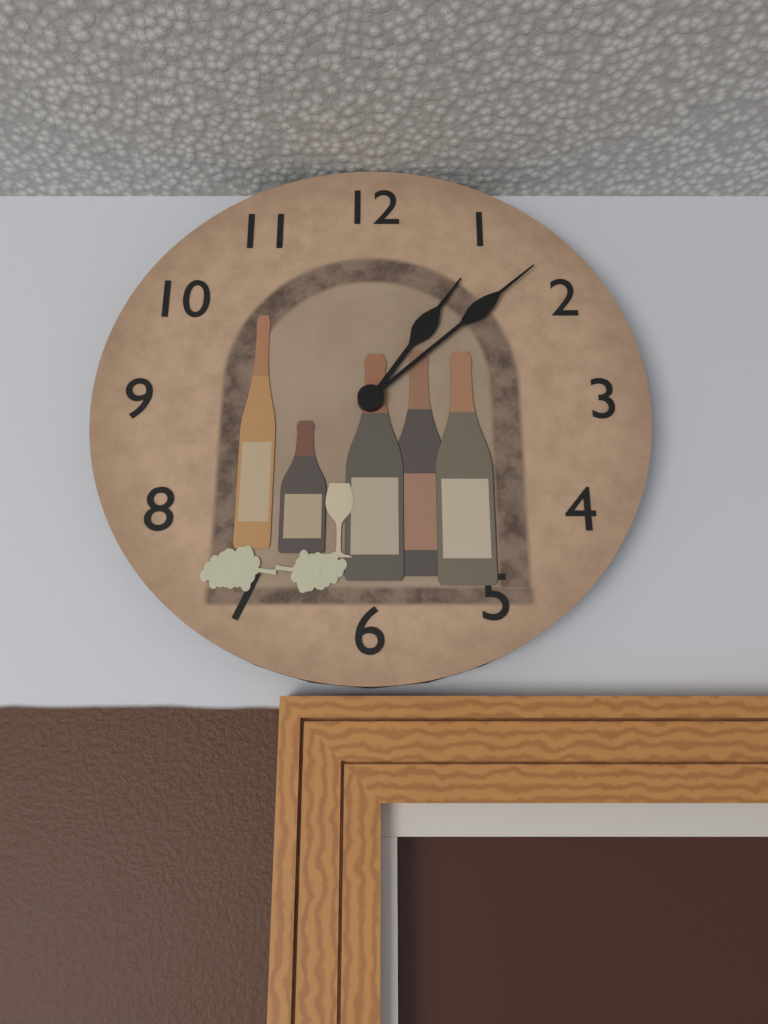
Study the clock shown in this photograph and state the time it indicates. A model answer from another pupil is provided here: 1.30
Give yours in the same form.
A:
1.08
